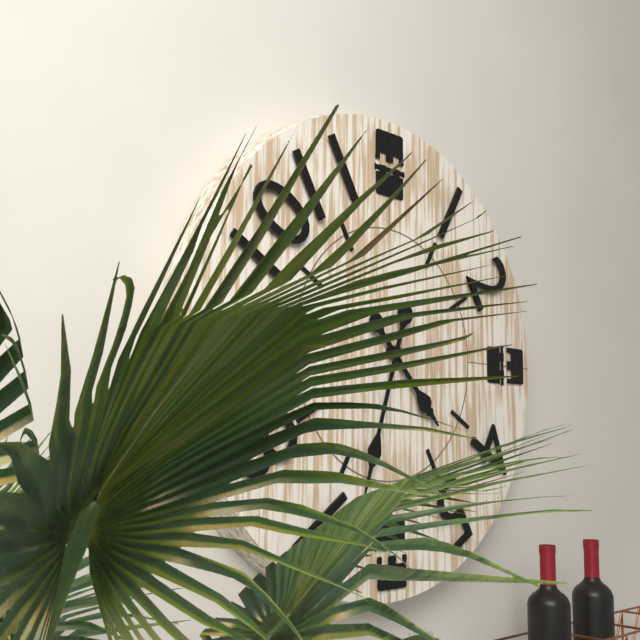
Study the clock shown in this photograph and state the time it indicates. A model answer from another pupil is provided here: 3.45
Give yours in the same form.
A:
4.33
